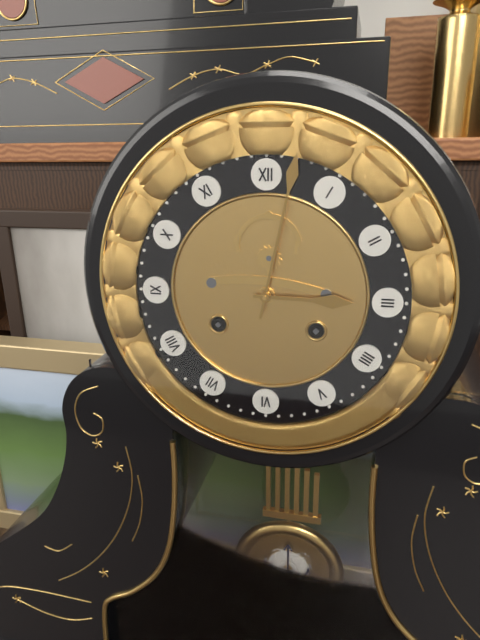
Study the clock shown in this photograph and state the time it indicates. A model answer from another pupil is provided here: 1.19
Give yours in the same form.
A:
3.02
